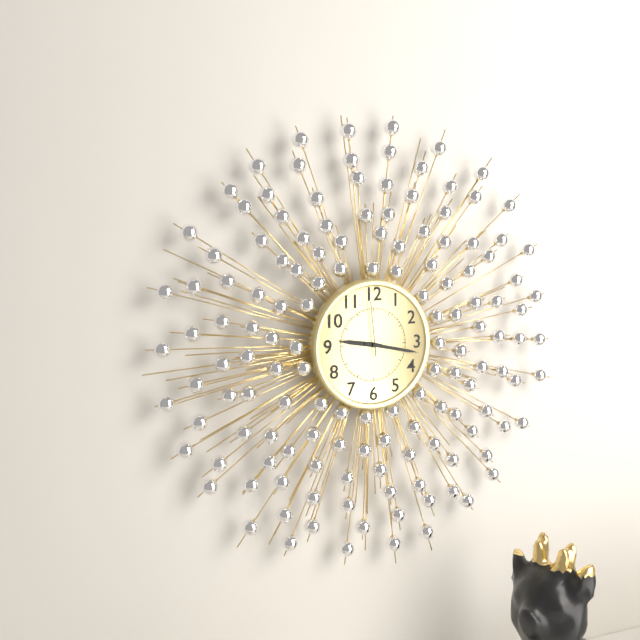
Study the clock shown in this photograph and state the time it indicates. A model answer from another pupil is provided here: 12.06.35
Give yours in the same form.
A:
9.17.59
